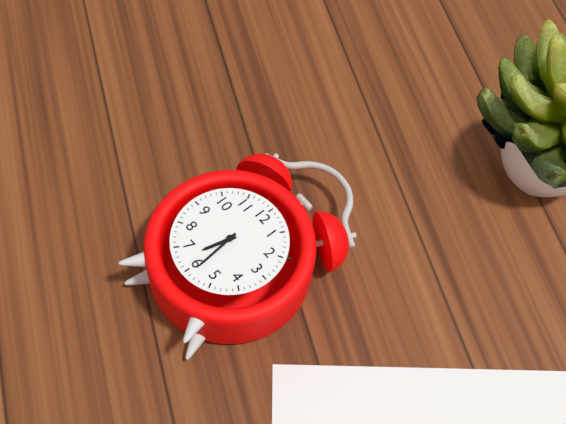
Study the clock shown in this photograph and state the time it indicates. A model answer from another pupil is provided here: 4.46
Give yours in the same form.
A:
6.29
